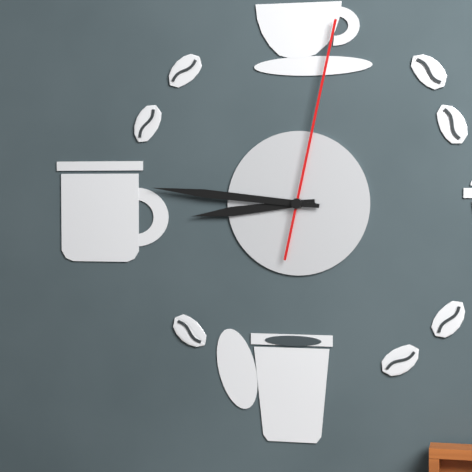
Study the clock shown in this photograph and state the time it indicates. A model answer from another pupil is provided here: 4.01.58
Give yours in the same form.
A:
8.46.02
